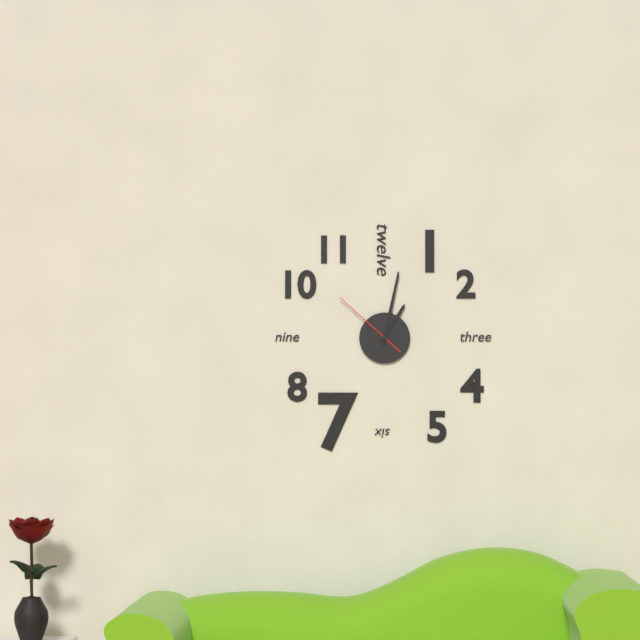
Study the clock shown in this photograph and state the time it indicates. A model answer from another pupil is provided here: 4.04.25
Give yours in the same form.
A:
1.02.52
